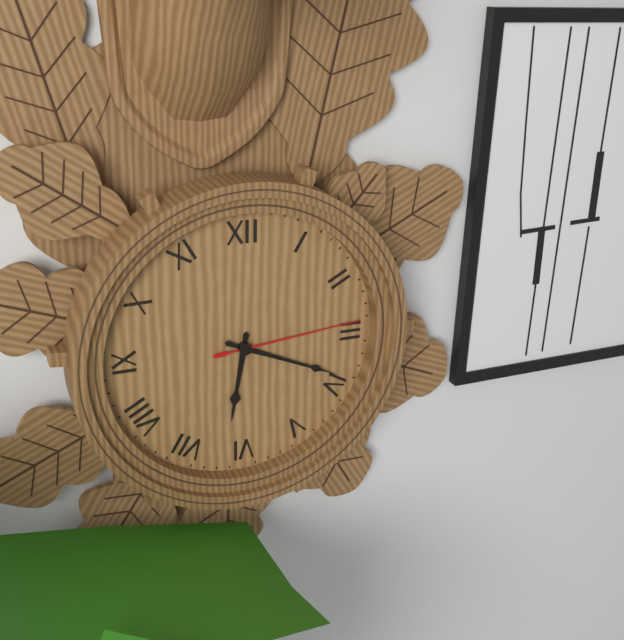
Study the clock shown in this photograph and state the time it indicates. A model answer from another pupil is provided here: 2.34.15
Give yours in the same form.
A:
6.19.14
